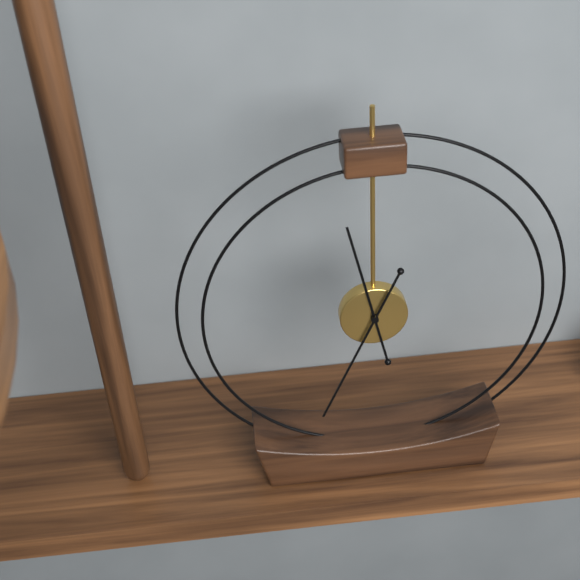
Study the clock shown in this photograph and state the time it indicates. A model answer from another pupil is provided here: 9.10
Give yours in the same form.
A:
11.34
